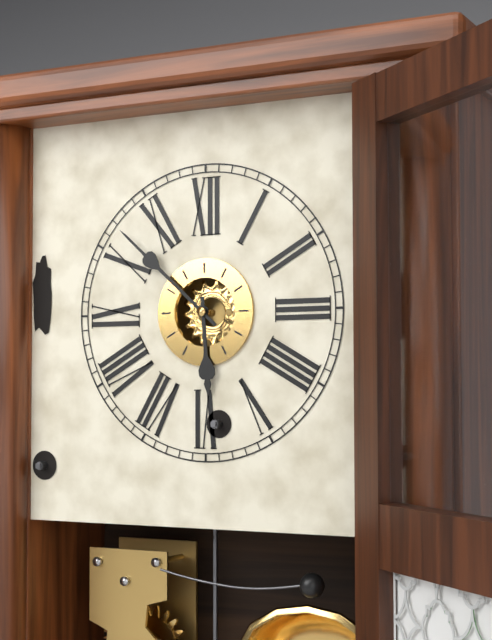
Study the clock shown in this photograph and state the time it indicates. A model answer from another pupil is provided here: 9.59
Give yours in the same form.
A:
5.52
